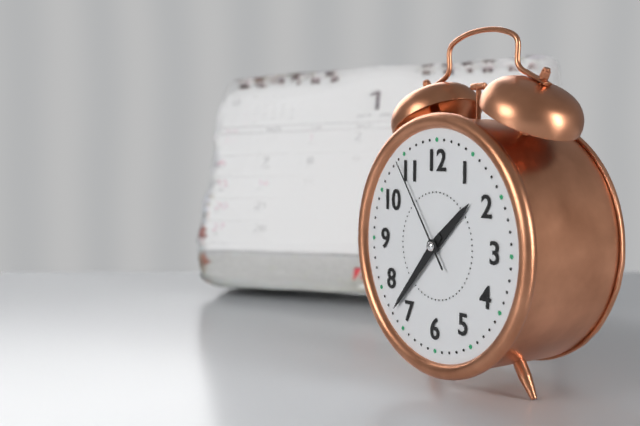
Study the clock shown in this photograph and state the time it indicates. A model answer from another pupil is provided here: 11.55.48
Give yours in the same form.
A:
1.37.54
